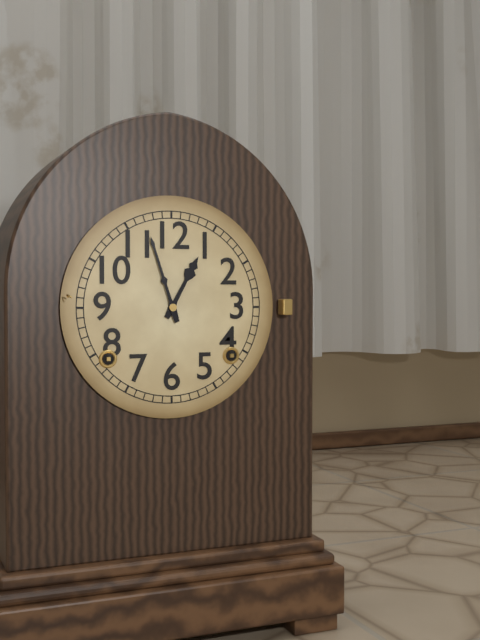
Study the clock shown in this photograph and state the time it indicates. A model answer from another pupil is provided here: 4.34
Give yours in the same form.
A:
12.57
